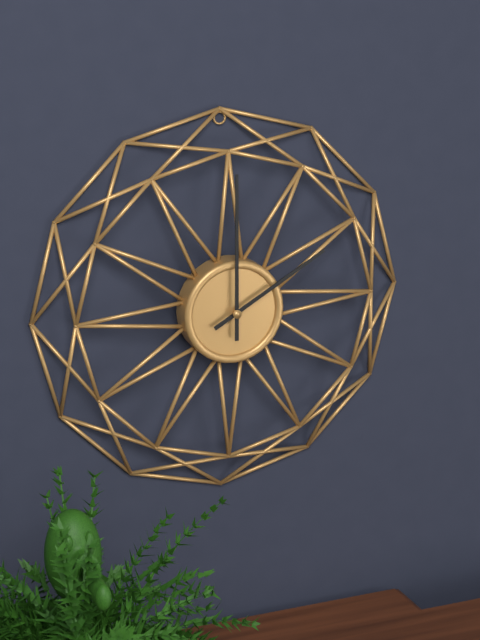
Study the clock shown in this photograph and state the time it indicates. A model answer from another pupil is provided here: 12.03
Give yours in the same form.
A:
2.00
